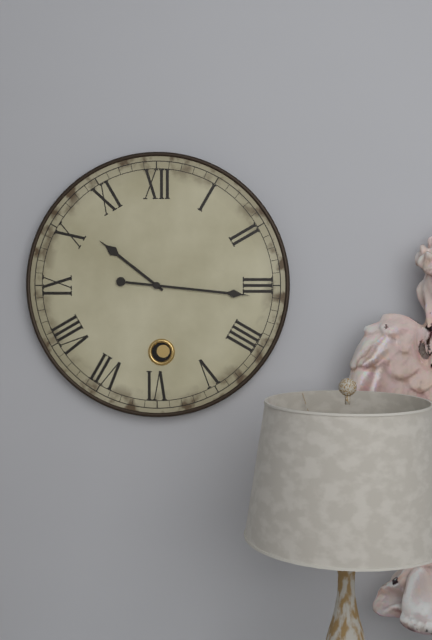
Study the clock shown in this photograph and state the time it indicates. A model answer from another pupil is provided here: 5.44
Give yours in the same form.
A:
10.16
